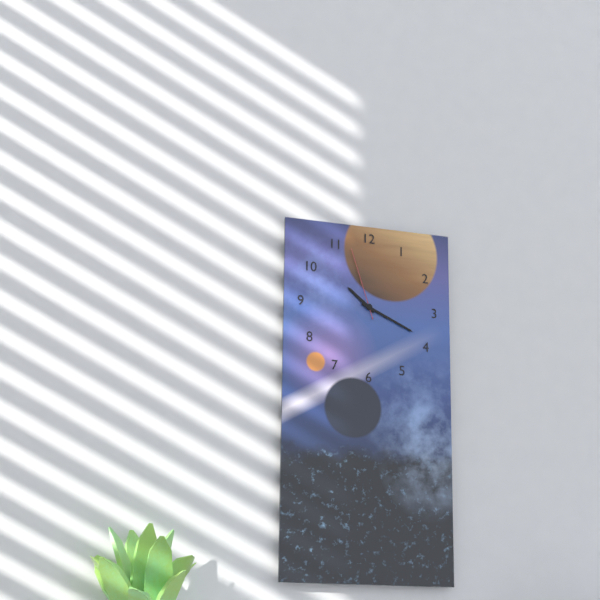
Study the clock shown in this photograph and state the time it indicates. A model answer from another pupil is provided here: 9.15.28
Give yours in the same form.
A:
10.19.57
